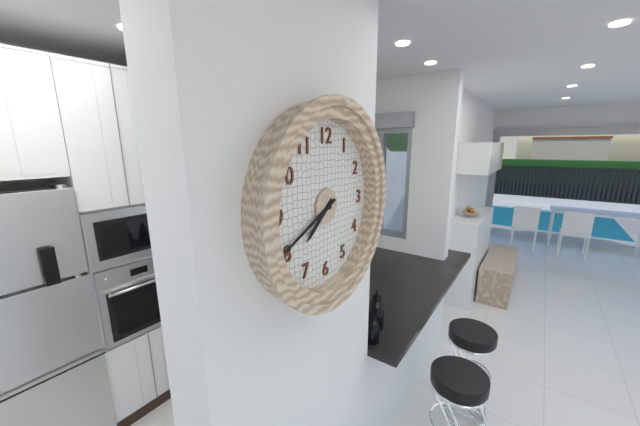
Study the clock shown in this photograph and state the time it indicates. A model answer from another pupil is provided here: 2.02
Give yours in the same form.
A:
7.41
